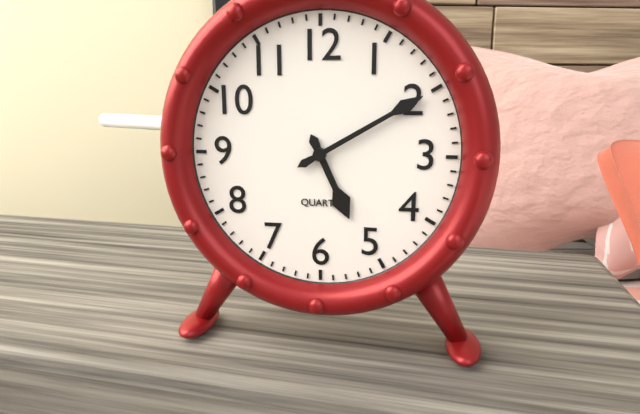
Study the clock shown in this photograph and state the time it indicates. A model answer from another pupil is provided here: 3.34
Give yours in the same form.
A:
5.10
